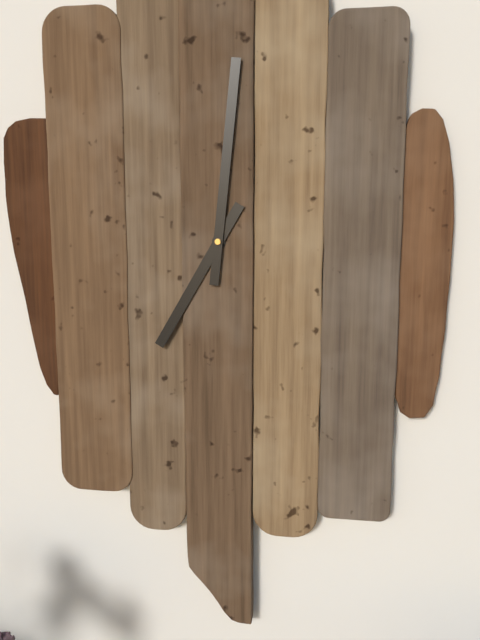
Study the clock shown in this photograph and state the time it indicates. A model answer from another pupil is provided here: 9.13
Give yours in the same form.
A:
7.01
